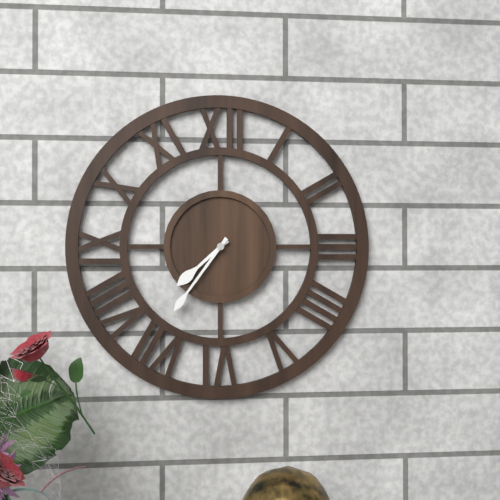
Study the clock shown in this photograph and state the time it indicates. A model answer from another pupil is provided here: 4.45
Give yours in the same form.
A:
7.36
